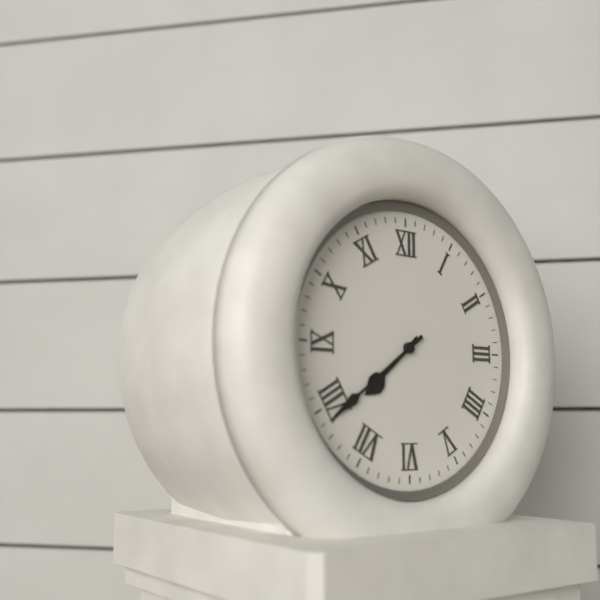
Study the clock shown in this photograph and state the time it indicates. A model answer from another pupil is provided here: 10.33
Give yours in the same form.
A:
7.39
